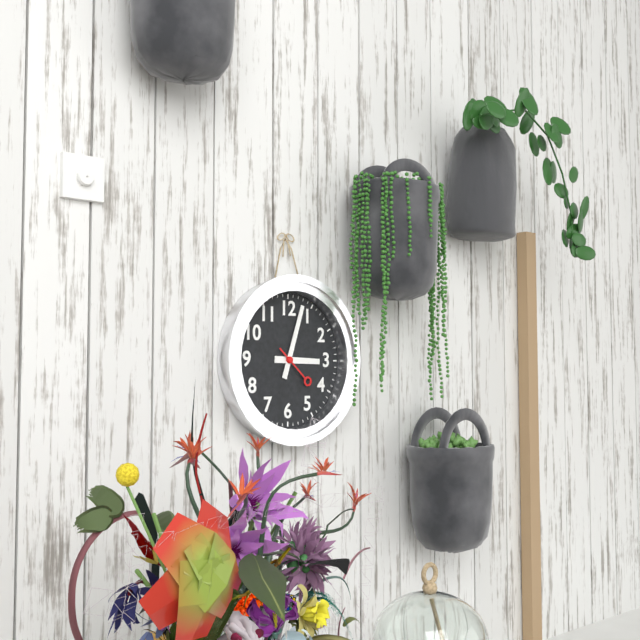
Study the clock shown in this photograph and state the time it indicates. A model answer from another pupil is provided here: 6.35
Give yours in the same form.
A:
3.03
